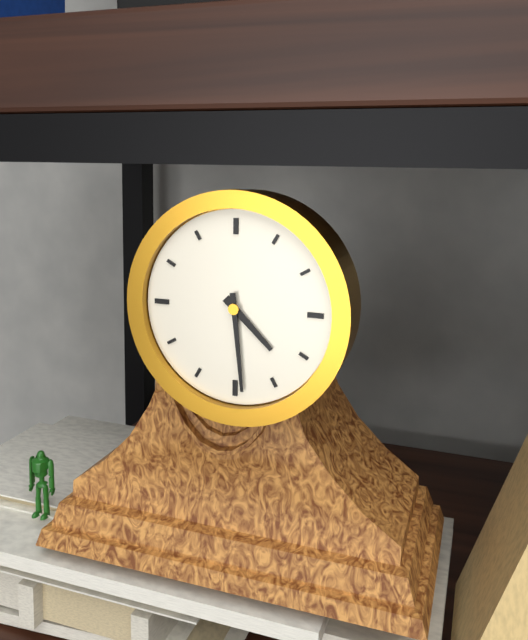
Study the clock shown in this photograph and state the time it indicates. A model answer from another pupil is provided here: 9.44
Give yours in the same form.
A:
4.29
